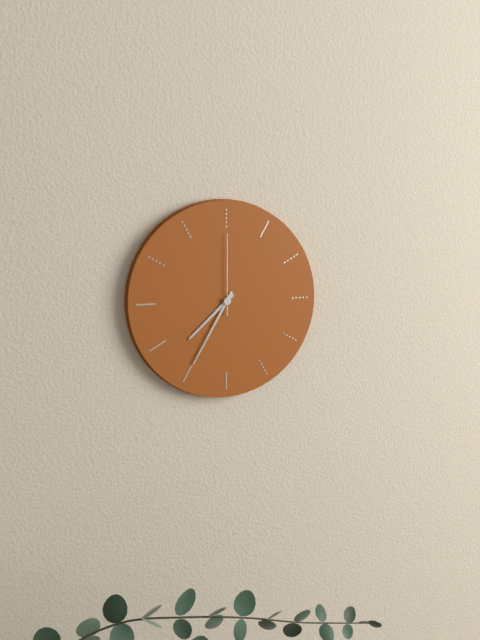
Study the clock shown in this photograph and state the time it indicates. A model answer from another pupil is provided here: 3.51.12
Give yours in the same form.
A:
7.35.00
